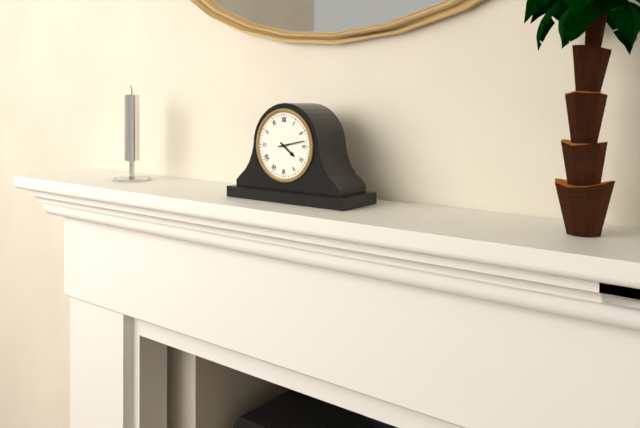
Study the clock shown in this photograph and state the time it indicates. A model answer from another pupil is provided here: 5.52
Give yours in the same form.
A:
4.13
